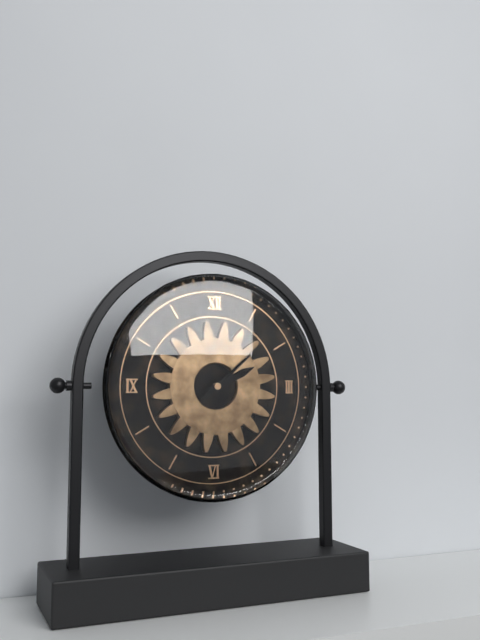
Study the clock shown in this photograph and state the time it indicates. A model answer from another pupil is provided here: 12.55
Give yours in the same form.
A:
2.08
